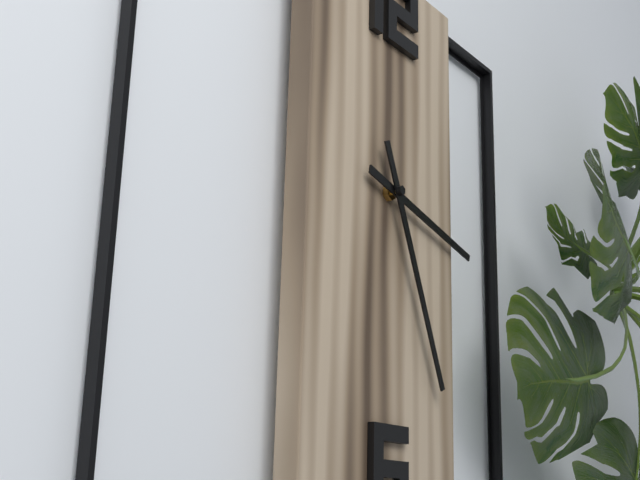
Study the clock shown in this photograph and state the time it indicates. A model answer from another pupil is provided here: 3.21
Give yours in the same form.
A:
3.26
